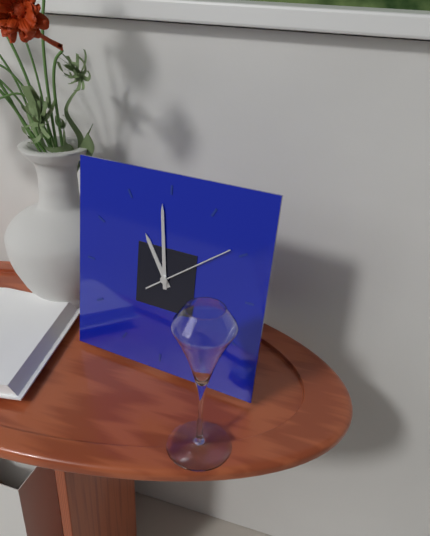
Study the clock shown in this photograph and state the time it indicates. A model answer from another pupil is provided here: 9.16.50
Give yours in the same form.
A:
10.59.09
